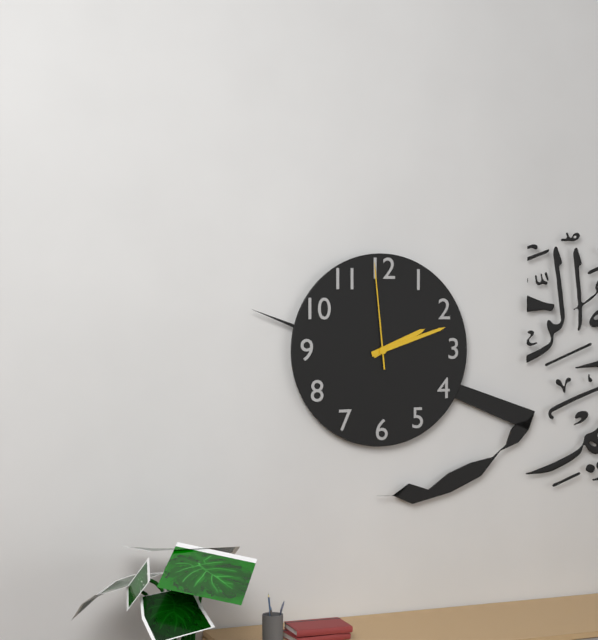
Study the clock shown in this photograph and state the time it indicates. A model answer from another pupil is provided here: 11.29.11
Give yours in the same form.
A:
2.12.59
